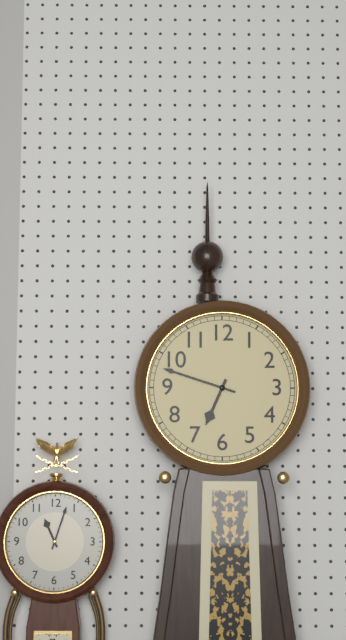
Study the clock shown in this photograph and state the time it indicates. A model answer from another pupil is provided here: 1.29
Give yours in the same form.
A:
6.48
